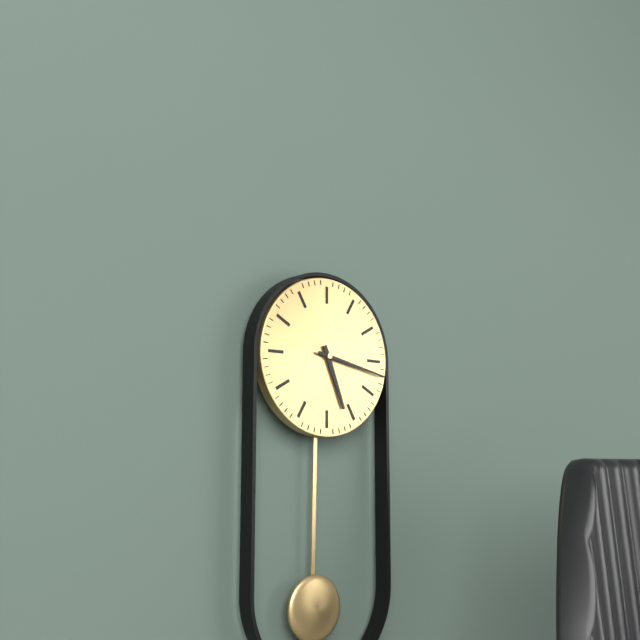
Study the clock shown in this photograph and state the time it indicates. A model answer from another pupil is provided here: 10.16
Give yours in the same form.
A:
5.17
